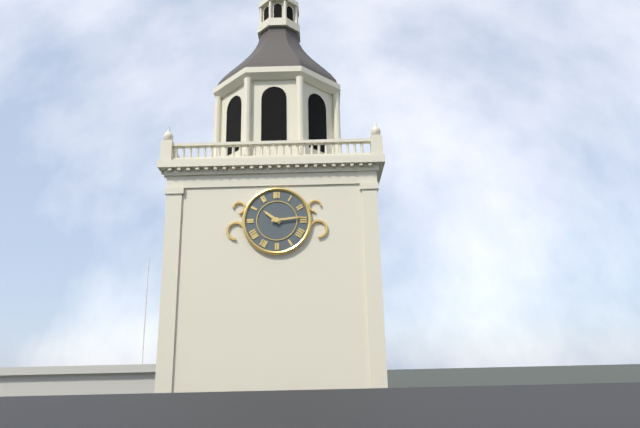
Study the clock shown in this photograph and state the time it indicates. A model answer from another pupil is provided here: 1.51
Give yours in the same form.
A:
10.14
